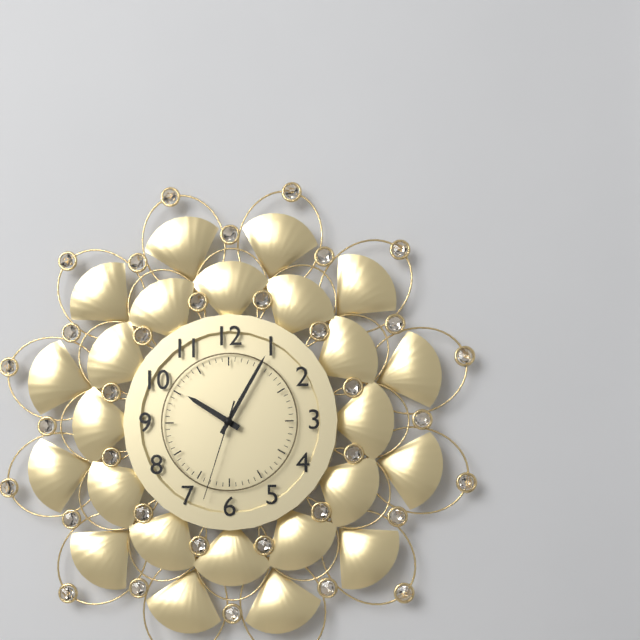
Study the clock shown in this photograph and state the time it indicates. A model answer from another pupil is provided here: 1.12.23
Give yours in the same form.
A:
10.05.33
